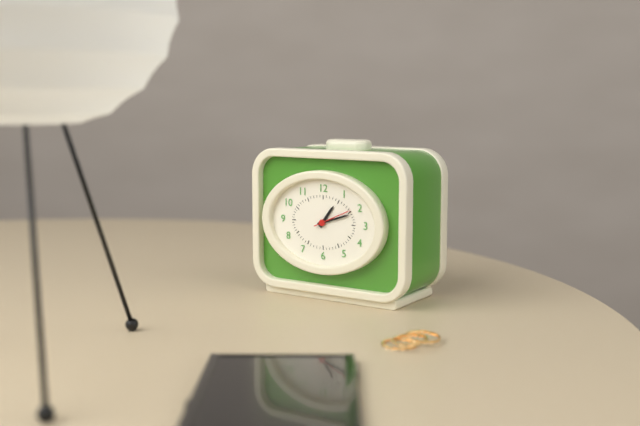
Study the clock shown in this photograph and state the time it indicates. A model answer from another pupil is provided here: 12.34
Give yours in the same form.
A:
1.12
